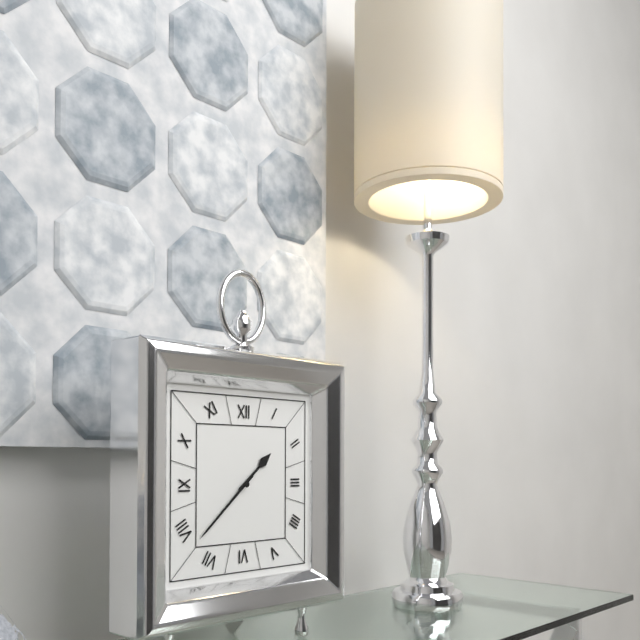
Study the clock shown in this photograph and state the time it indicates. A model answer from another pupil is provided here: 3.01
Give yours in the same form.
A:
1.38
